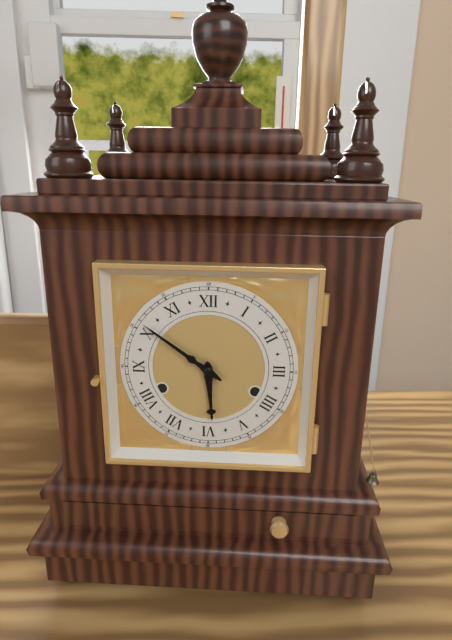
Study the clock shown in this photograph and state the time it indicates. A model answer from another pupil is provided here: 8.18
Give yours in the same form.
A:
5.51
